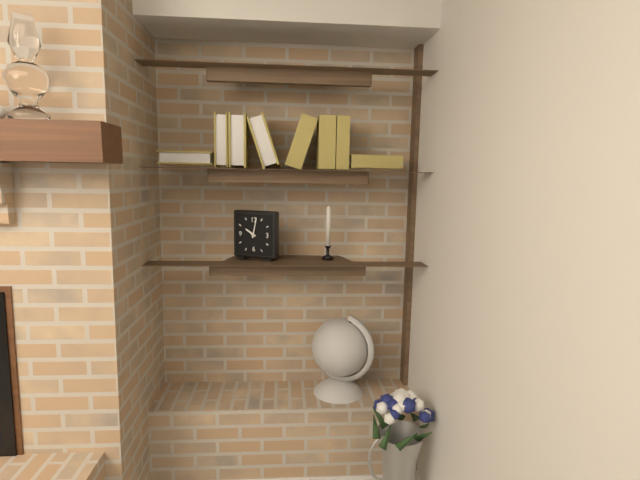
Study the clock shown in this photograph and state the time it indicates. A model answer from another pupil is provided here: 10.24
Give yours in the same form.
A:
10.02
